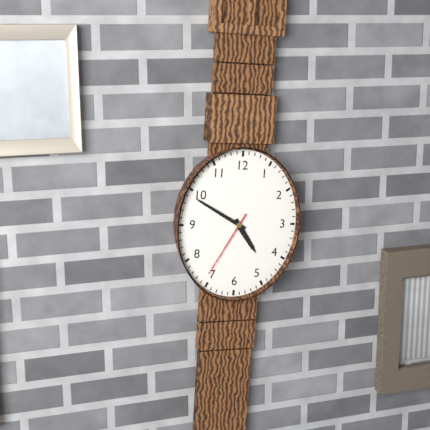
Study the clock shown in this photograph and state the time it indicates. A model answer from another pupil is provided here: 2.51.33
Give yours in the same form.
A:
4.50.35
